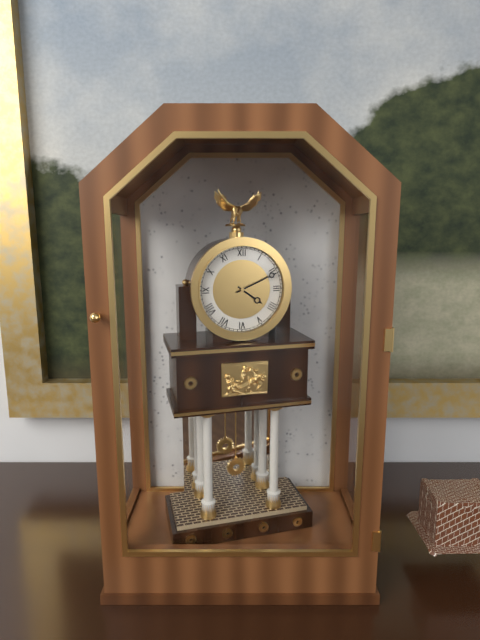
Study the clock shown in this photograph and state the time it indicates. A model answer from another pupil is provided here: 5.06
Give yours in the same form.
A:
4.11
